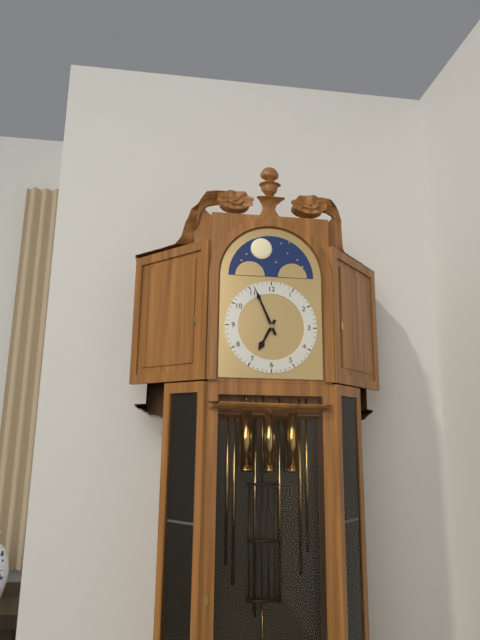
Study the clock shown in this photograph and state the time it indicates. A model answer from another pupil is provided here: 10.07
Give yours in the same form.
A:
6.56
